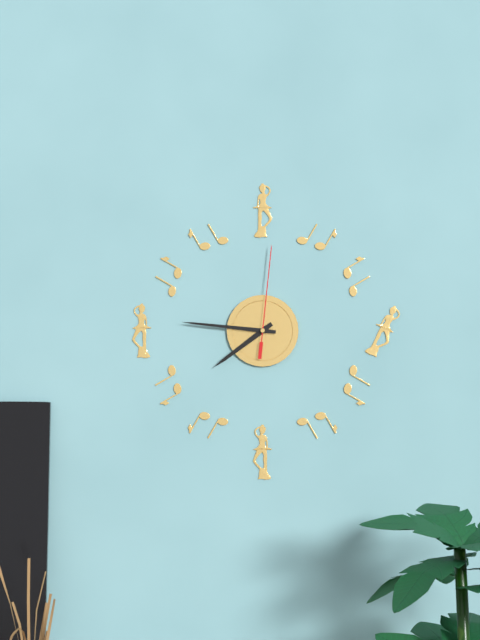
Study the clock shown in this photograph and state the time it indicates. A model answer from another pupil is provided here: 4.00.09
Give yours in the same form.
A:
7.46.01
